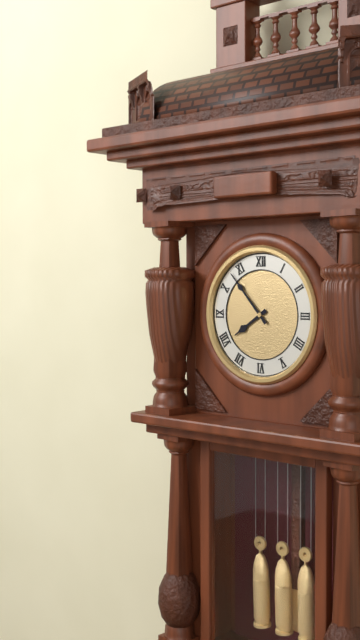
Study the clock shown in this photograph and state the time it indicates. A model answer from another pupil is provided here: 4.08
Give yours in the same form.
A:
7.53
